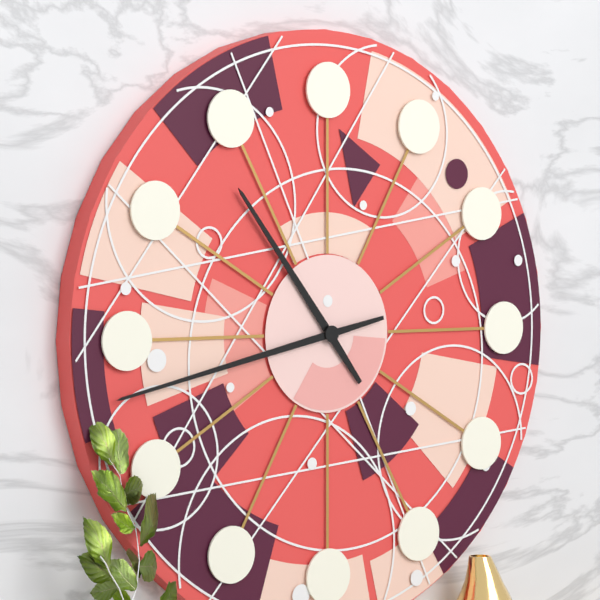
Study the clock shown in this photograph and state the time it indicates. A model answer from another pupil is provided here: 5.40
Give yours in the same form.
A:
10.43
